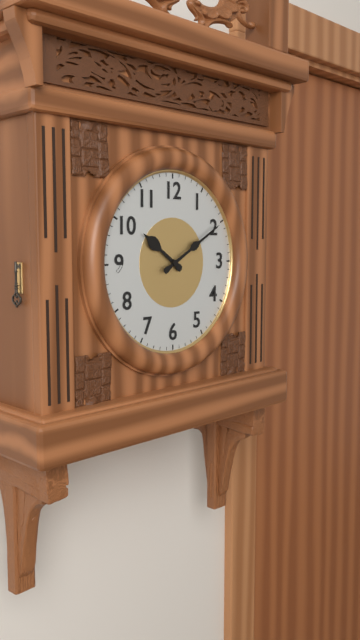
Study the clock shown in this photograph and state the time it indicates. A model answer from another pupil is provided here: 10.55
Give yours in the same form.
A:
10.10
